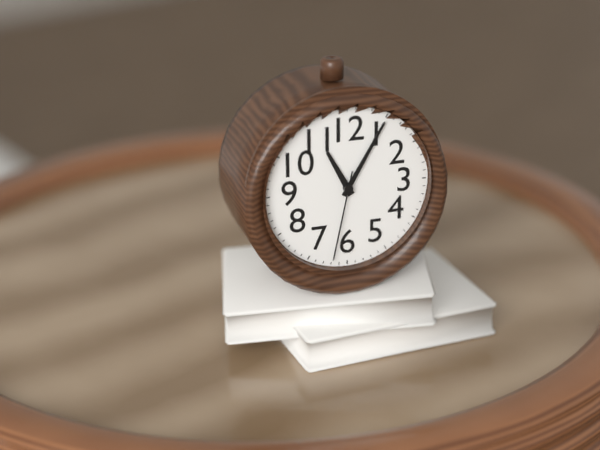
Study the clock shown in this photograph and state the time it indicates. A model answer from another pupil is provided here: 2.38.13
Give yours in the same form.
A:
11.05.32
